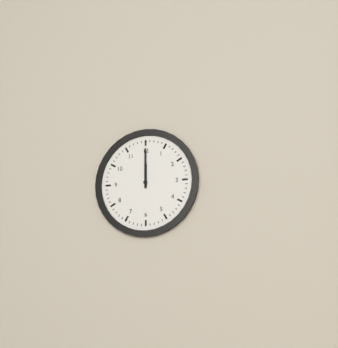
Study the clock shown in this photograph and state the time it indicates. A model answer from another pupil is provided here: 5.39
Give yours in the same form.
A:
12.00
